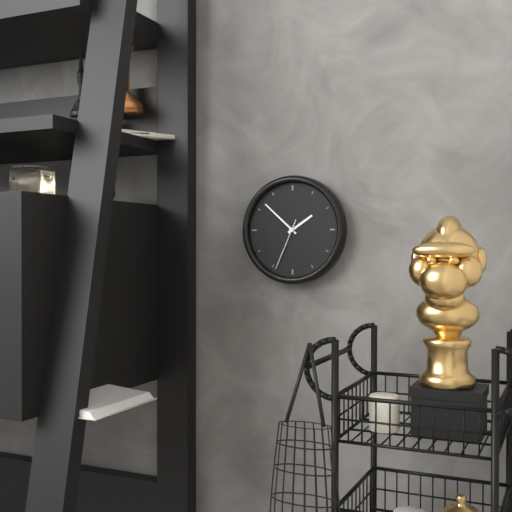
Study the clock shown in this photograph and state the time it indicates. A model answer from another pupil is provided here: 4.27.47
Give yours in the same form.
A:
1.52.34
